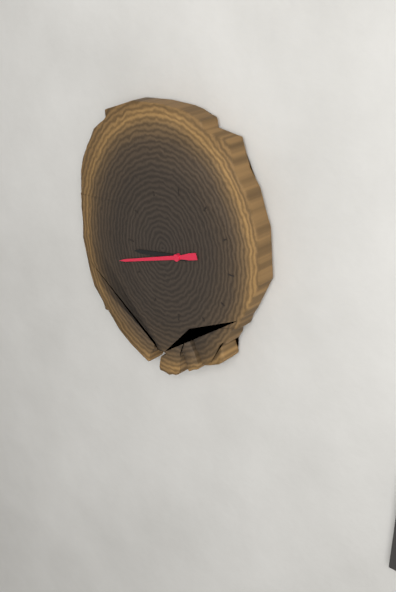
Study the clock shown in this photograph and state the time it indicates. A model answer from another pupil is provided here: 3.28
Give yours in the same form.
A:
8.42
